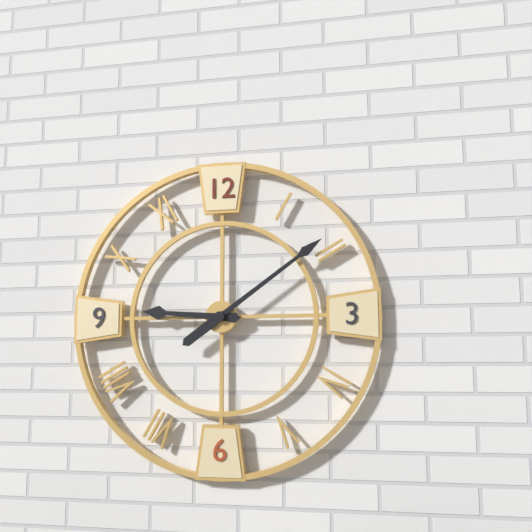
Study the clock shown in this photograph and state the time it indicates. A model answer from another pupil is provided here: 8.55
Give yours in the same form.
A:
9.09
